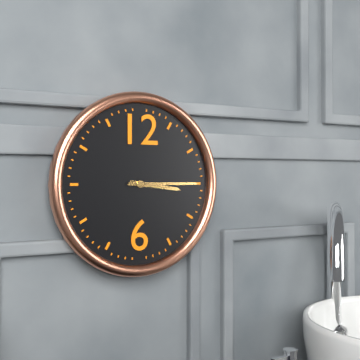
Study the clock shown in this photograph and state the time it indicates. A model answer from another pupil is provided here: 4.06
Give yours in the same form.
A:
3.15
